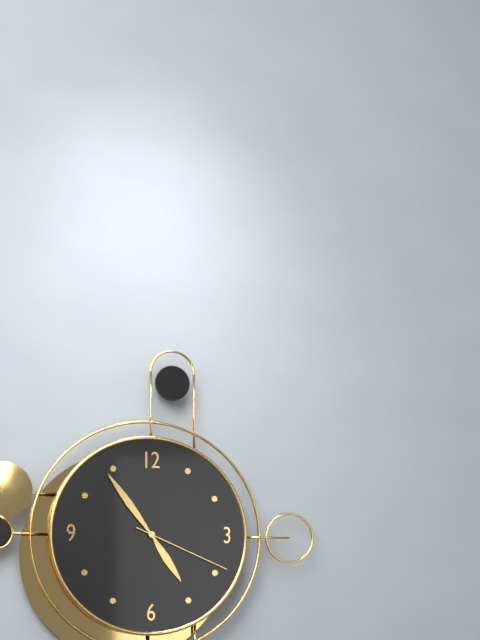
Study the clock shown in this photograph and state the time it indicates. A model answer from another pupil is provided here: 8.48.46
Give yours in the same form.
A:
4.54.19
